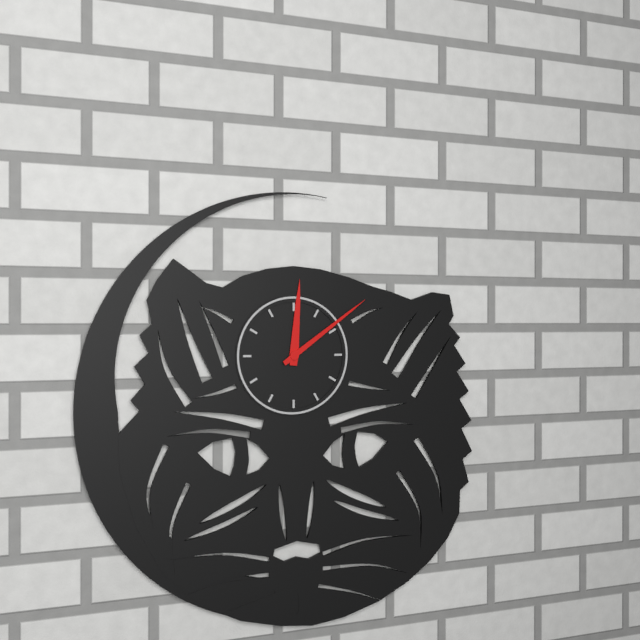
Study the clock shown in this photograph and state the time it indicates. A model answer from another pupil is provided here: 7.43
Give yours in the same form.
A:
12.09
